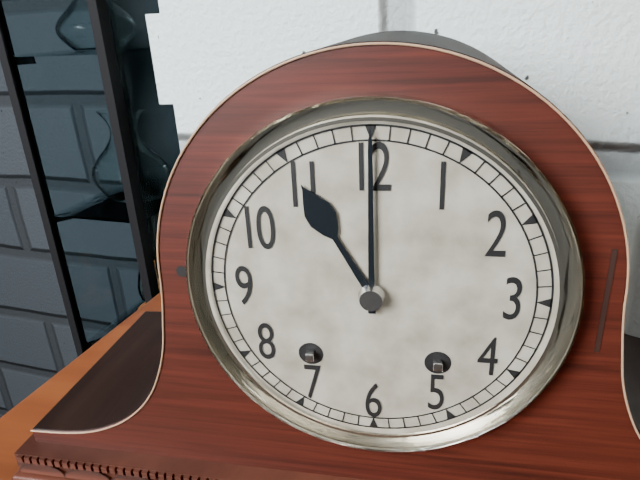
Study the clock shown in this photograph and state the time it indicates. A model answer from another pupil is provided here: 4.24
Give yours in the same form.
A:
11.00
